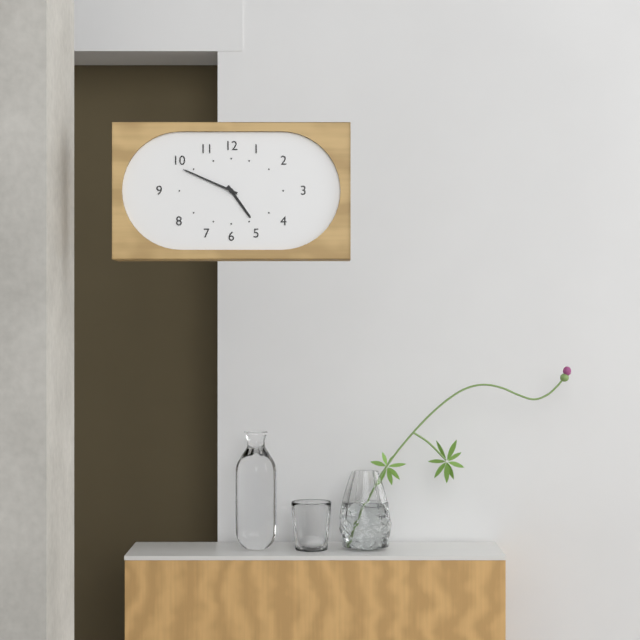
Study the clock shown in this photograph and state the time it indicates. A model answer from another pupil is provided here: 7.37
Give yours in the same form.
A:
4.49
